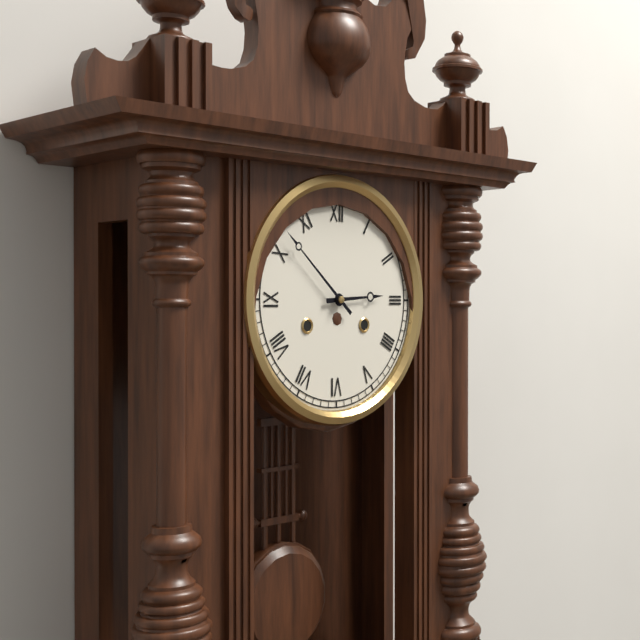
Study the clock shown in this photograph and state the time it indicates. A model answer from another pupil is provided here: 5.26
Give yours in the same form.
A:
2.52
